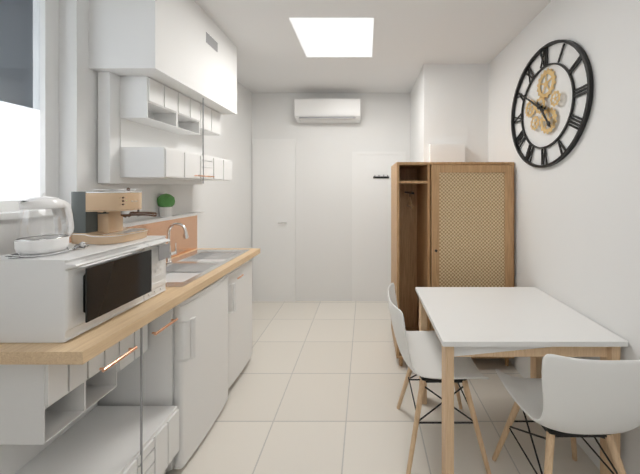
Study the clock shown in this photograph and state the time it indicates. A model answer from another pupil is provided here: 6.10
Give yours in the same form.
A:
4.51
